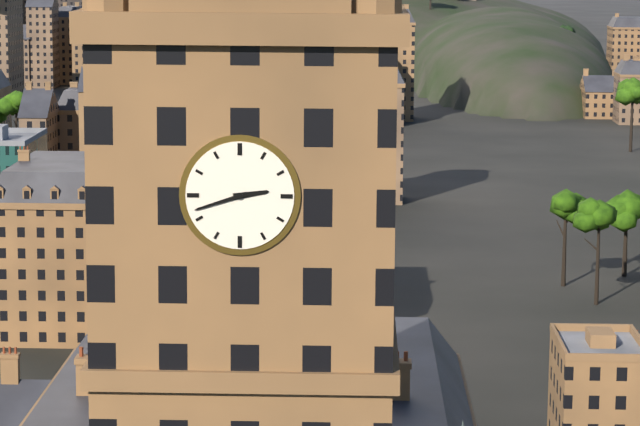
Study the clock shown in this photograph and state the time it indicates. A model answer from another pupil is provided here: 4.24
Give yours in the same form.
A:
2.42
